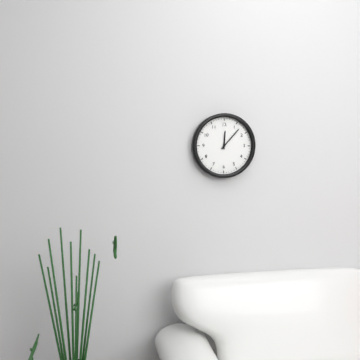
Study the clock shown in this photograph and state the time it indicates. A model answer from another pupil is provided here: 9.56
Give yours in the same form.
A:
12.07
